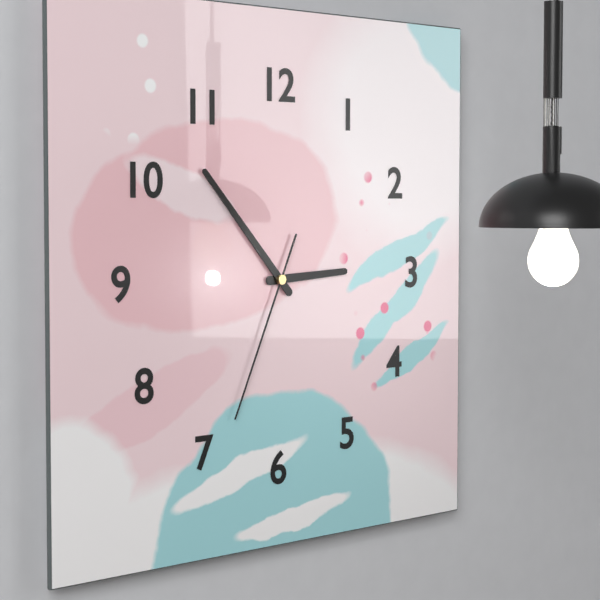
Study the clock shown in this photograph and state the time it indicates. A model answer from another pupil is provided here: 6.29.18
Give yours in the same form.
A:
2.53.34
